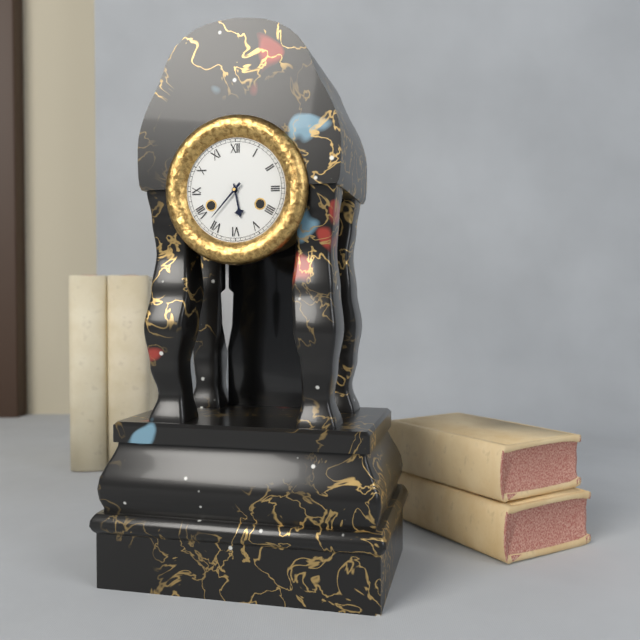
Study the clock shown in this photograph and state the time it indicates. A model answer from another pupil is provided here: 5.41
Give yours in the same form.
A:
5.37
